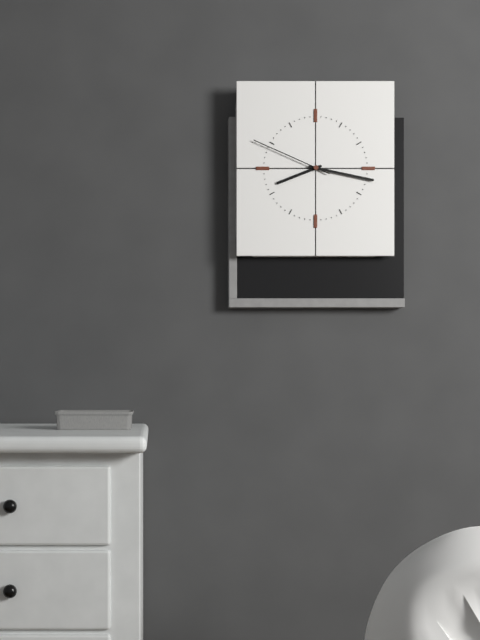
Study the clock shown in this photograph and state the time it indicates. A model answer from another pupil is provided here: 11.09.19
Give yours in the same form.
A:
8.17.49
